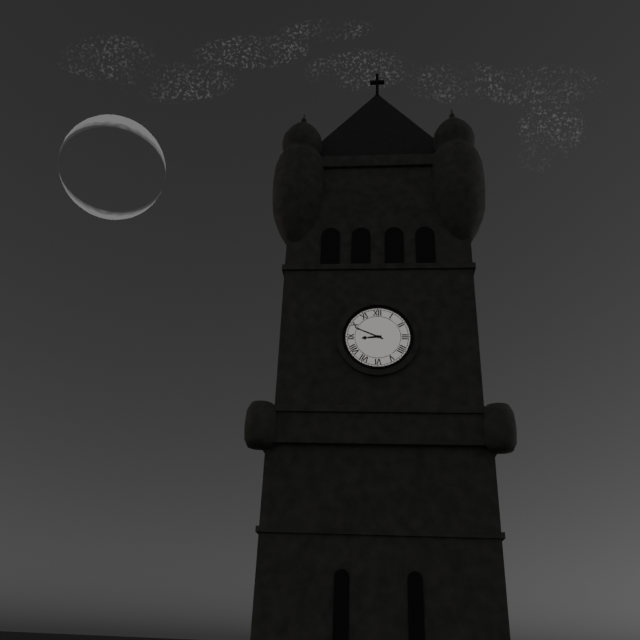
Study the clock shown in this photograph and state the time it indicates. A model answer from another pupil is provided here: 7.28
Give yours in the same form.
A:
8.49
